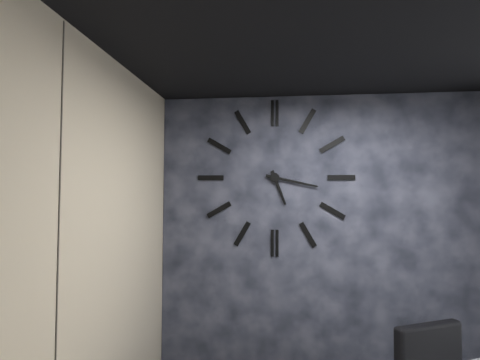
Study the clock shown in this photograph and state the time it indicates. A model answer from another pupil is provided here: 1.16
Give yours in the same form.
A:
5.17
